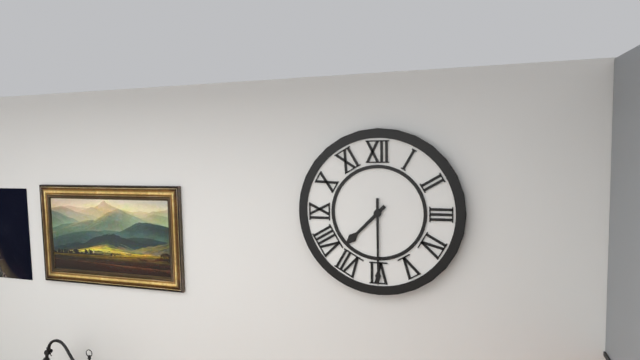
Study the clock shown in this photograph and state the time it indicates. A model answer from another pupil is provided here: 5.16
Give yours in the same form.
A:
7.30
